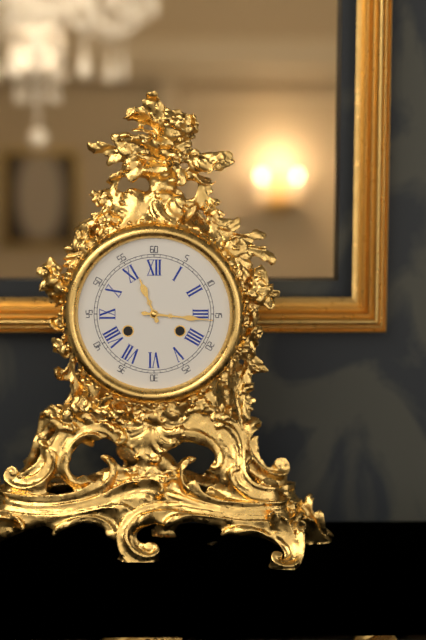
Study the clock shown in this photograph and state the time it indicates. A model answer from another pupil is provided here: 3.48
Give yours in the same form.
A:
11.16
